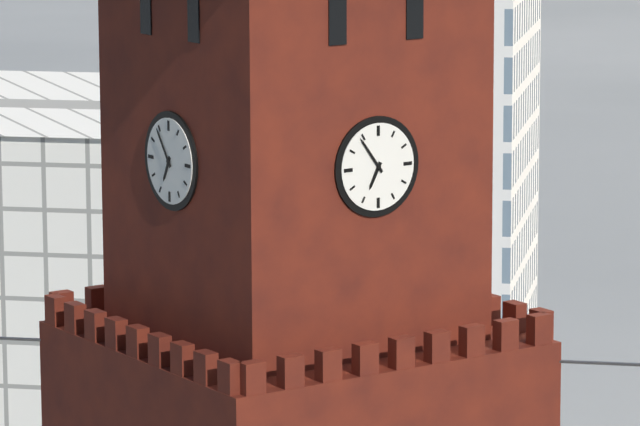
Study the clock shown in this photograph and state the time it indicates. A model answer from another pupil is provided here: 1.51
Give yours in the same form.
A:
6.54
